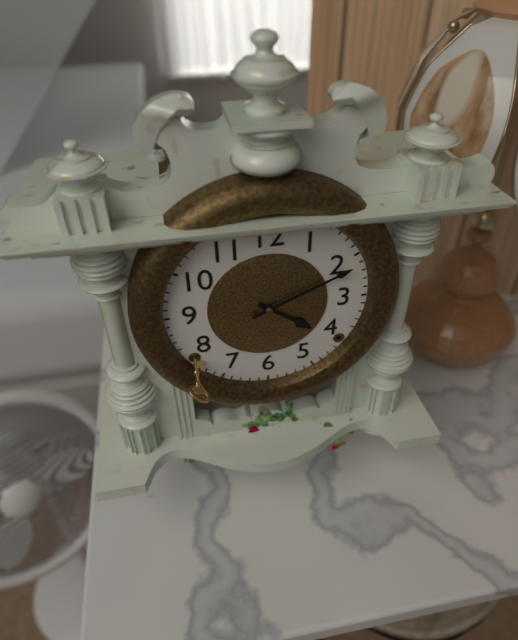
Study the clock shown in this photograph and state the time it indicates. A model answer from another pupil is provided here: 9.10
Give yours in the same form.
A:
4.11
